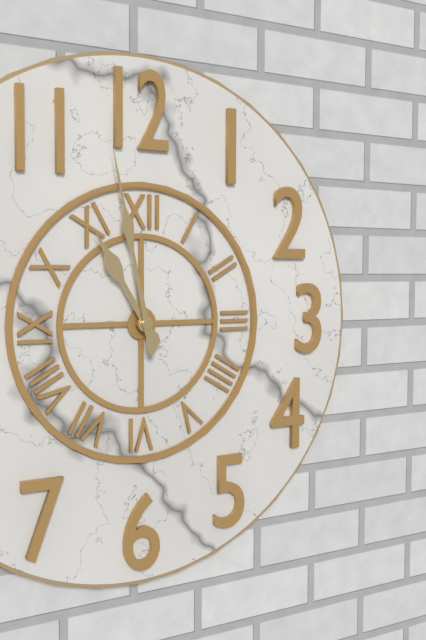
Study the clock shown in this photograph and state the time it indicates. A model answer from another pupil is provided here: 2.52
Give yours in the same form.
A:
10.58
